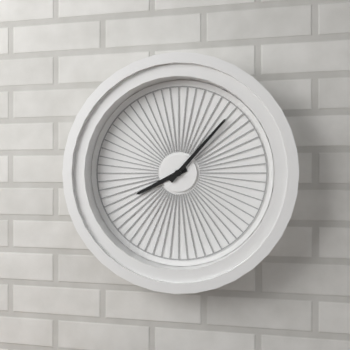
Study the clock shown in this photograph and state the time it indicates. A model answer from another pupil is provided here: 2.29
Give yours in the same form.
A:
8.07
